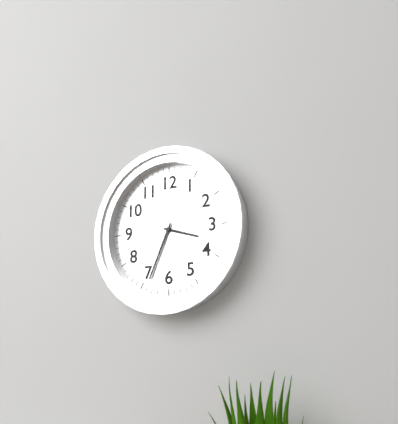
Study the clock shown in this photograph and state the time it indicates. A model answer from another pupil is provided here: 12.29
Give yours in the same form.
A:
3.34
